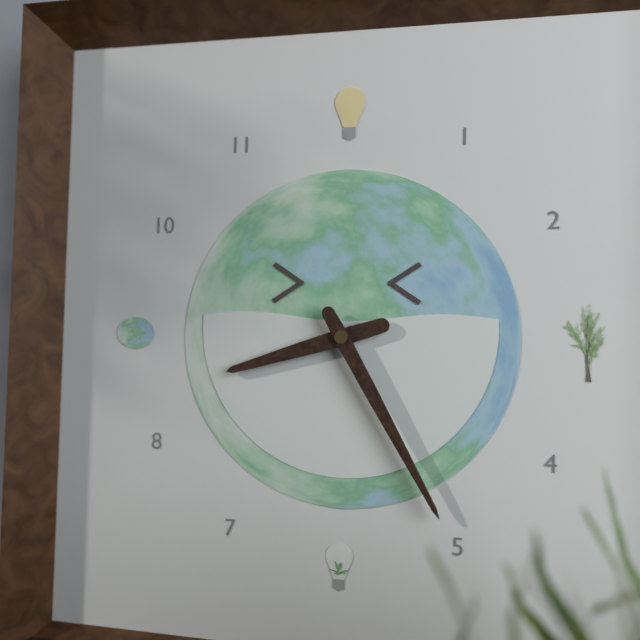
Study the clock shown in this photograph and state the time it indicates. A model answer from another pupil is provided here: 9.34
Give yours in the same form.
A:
8.25
